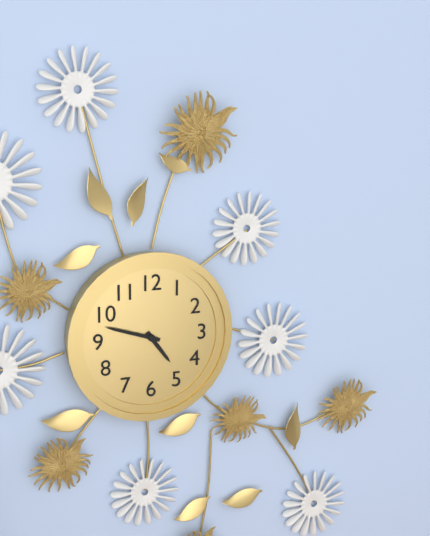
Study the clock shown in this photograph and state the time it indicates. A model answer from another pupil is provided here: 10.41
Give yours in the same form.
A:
4.48
